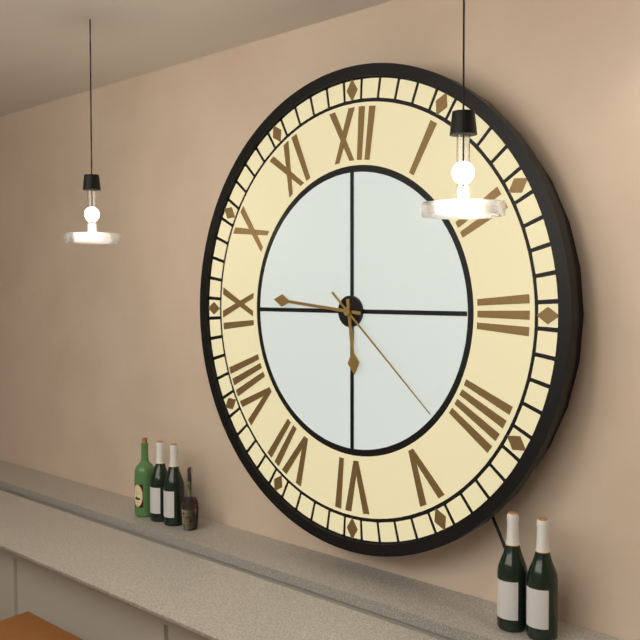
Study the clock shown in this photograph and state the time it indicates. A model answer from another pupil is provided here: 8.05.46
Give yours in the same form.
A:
5.46.22
